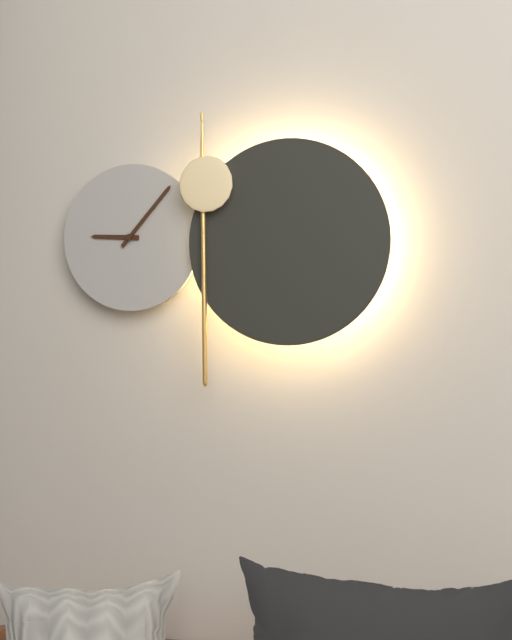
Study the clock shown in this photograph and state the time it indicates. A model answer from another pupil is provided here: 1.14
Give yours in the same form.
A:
9.07
